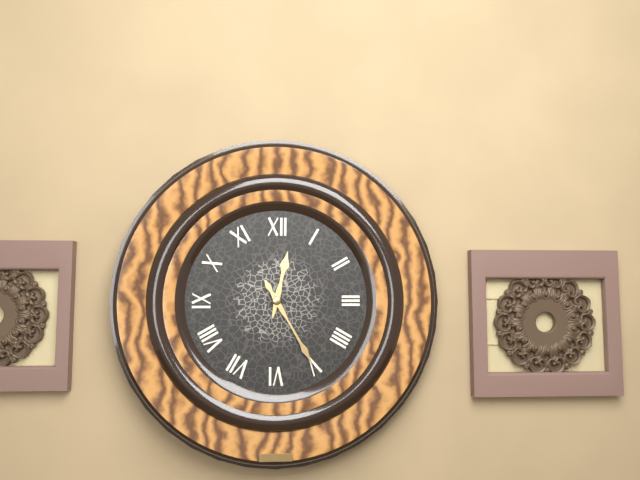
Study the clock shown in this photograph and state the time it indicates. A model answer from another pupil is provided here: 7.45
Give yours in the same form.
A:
12.25
